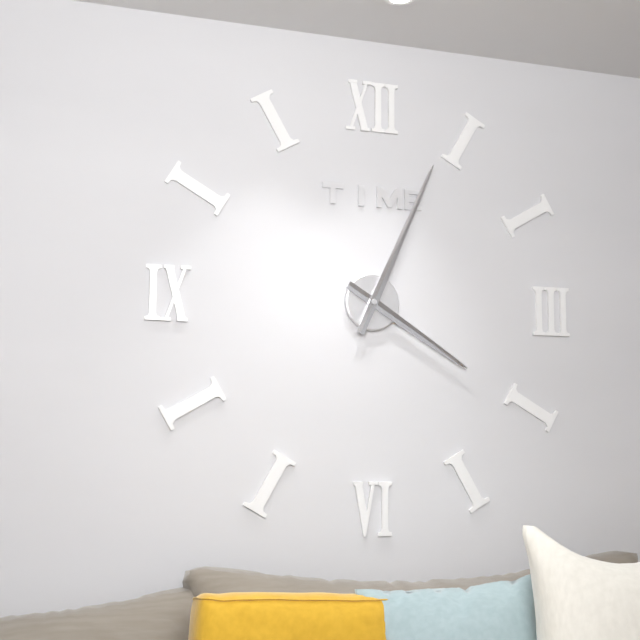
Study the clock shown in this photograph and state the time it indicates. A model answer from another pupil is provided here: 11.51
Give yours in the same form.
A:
4.04
